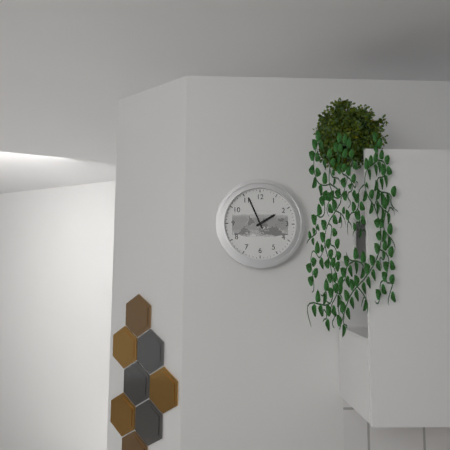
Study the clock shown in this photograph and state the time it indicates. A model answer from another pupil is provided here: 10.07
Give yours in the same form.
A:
1.56
